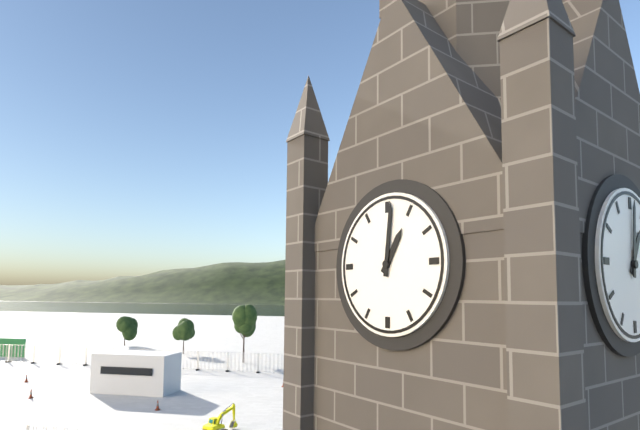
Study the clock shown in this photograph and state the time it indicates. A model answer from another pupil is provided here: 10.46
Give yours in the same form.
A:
1.01
